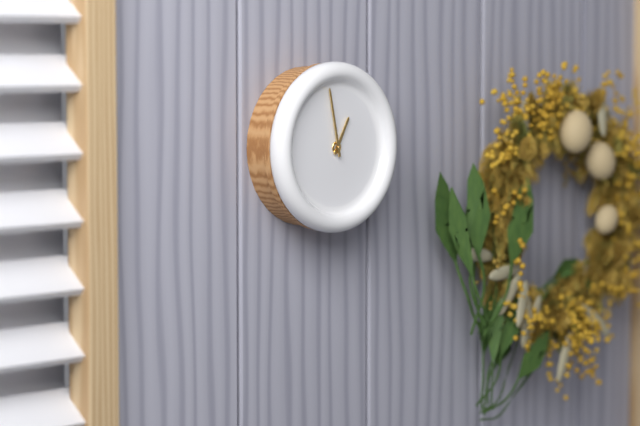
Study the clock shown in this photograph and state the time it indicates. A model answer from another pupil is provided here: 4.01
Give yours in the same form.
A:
12.58
